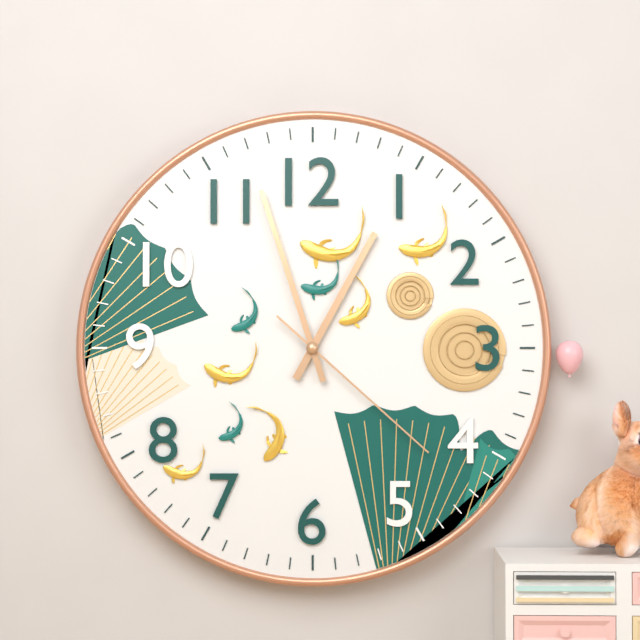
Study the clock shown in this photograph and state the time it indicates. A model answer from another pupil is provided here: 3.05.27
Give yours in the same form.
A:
12.57.22
